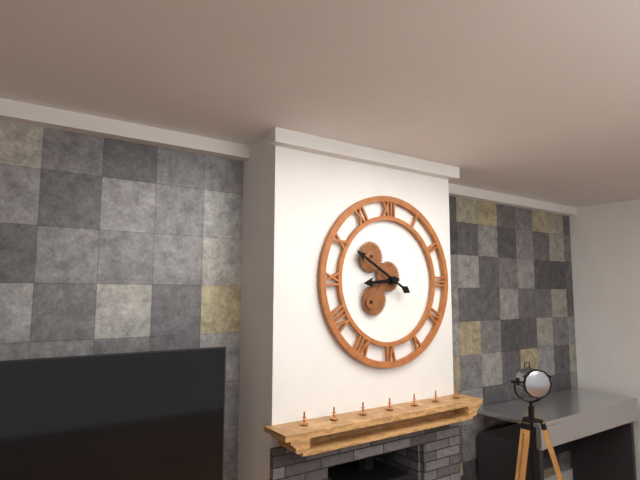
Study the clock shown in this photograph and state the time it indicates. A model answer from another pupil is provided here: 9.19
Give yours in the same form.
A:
8.50
